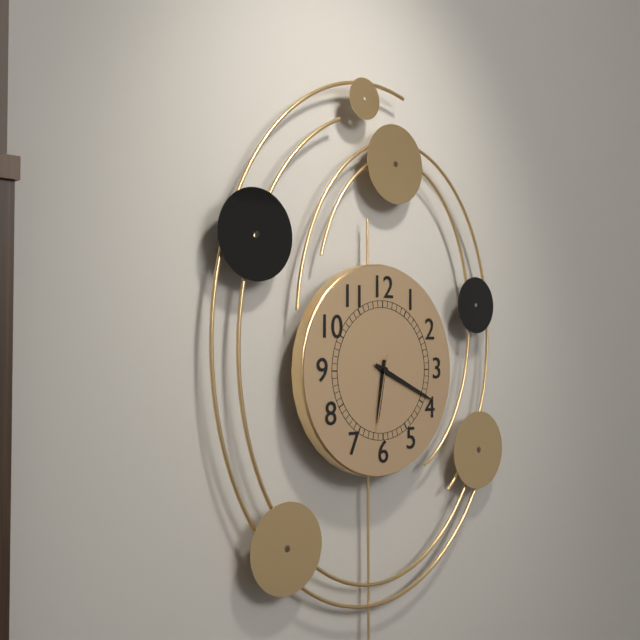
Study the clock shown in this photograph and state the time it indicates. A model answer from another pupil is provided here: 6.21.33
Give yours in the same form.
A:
6.19.32
